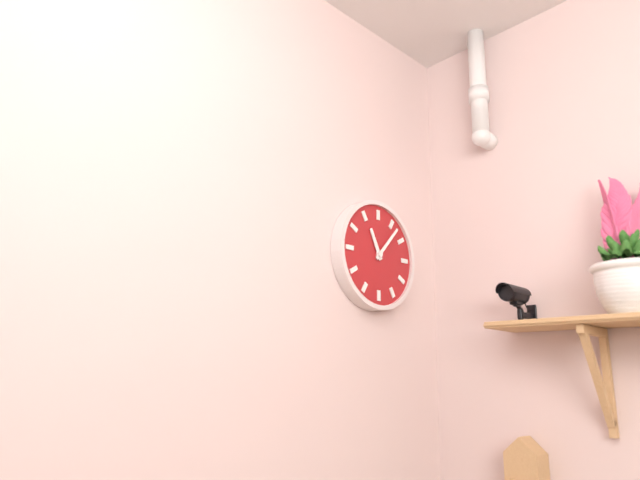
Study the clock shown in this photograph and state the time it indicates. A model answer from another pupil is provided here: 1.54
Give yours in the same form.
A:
11.07
